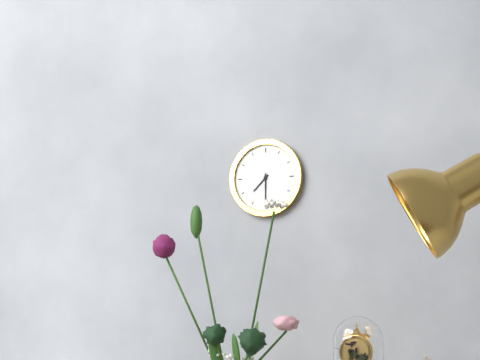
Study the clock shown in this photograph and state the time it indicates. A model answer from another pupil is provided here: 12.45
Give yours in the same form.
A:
7.30
